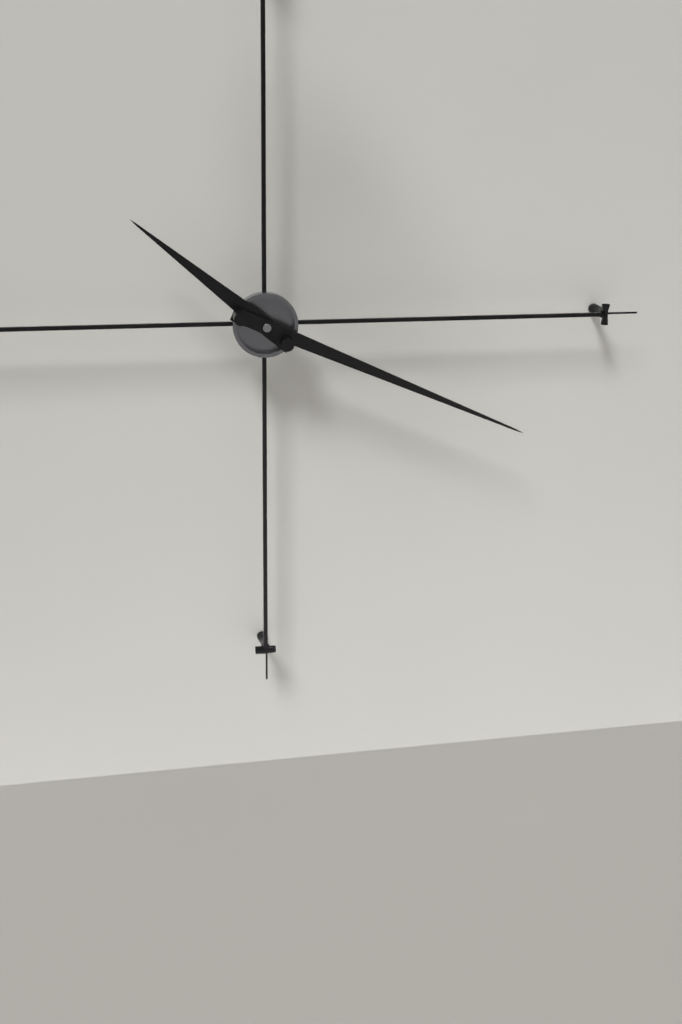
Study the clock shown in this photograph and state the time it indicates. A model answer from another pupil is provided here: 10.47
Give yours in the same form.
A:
10.19
